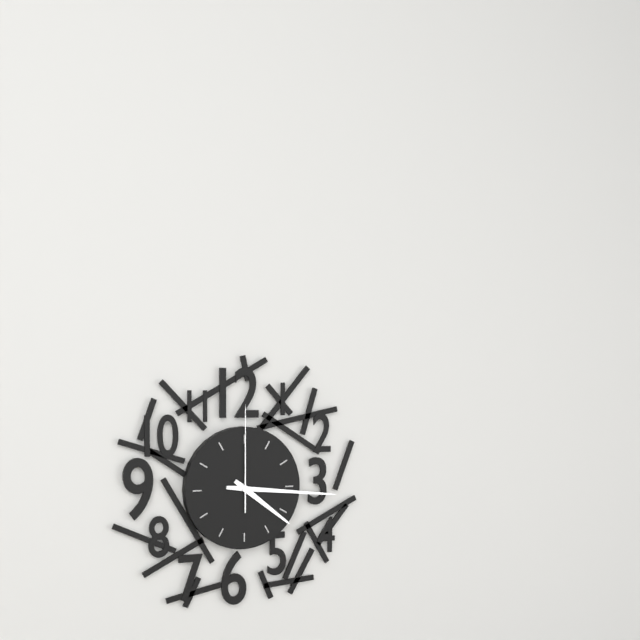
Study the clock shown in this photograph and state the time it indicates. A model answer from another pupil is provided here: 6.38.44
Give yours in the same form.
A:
4.16.00
